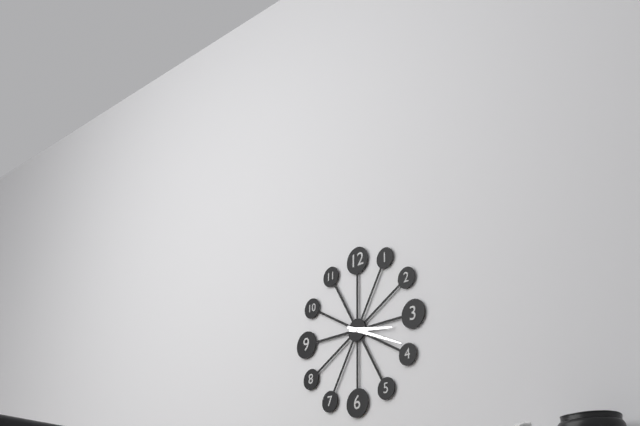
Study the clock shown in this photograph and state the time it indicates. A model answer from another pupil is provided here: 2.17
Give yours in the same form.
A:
3.19
